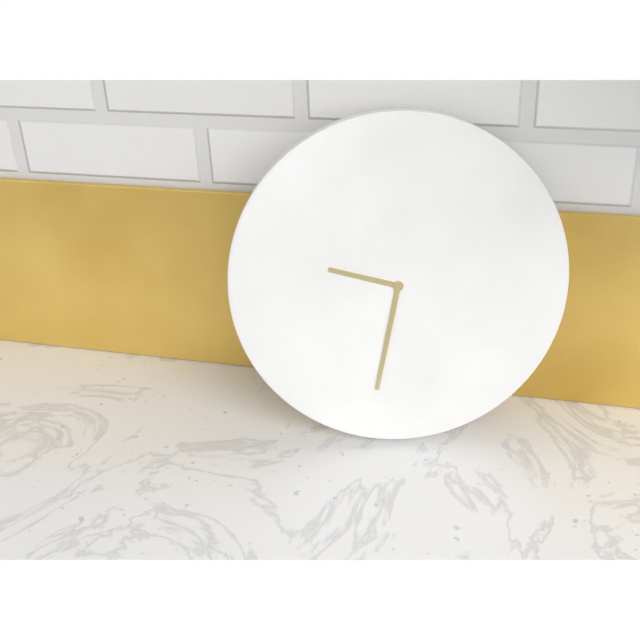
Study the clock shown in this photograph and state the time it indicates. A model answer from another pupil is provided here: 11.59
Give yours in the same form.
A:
9.32
